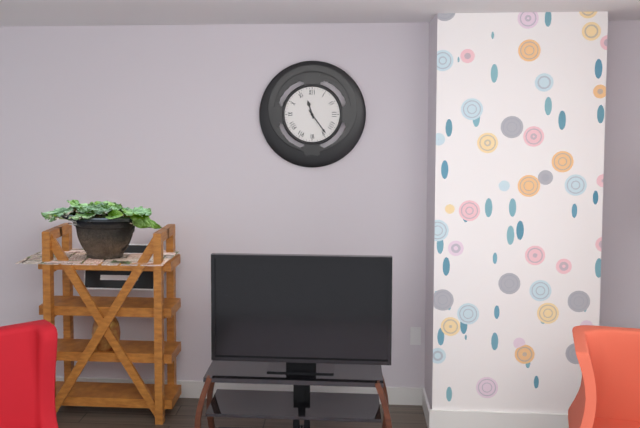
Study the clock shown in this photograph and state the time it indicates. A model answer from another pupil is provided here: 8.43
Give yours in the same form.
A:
11.24
